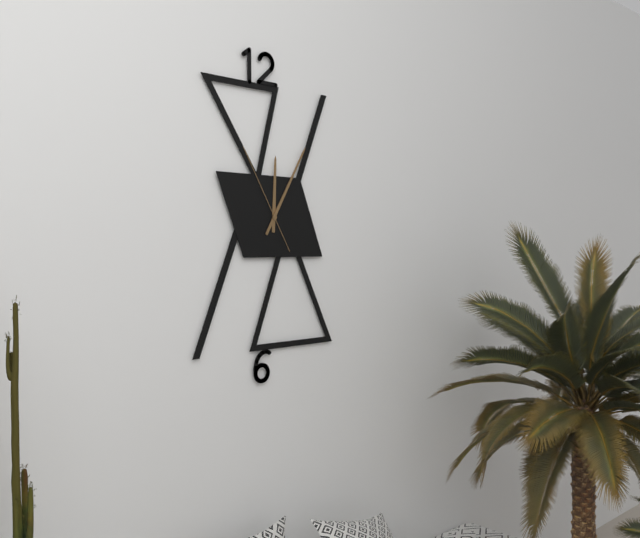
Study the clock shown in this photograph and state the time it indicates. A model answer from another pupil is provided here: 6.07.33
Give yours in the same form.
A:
12.05.55
